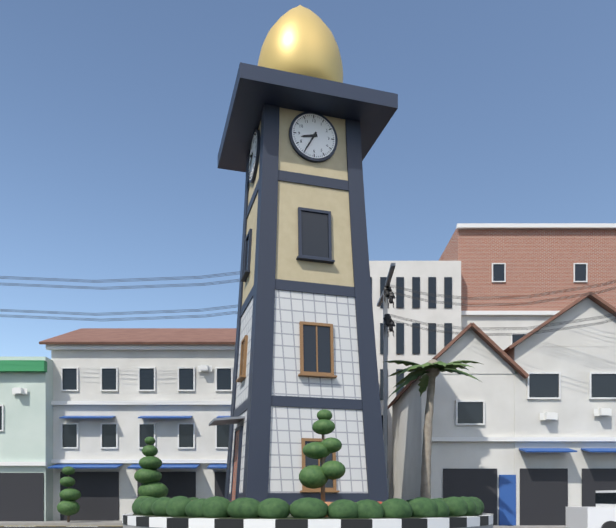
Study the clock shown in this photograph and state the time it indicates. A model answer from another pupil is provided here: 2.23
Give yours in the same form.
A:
8.35
